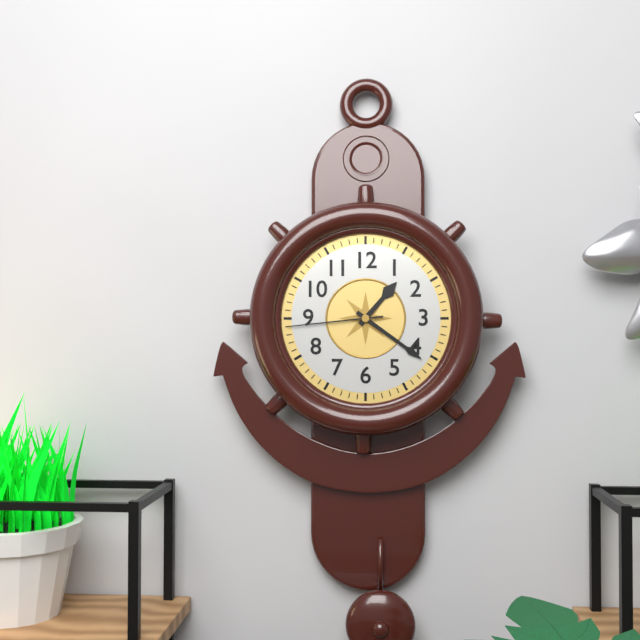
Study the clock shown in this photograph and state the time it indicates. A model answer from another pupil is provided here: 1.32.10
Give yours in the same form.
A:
1.21.44
